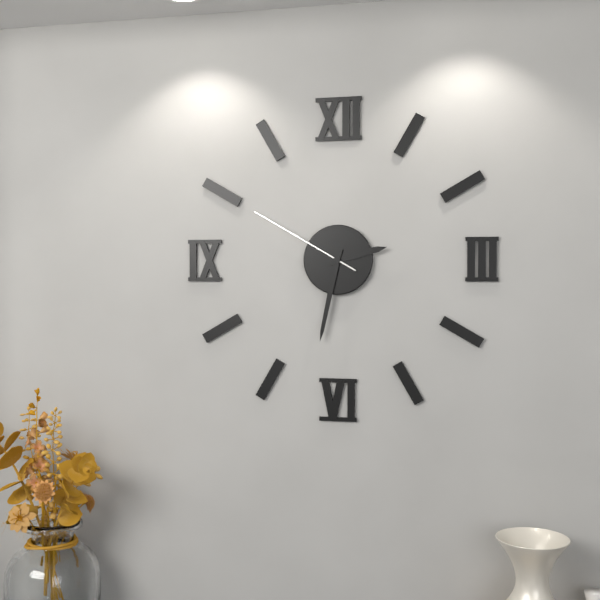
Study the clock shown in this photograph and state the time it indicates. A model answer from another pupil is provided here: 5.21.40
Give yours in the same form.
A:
2.32.50
